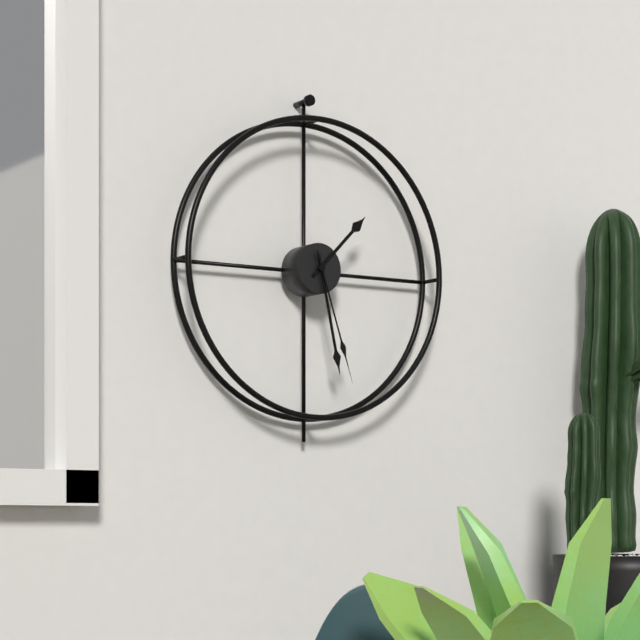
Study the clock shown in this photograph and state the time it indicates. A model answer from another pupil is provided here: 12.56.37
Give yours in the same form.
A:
1.28.27
